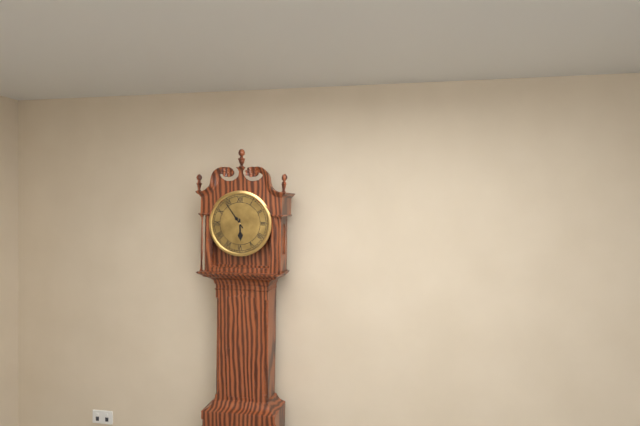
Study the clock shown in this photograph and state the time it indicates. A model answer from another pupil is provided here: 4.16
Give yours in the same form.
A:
5.54
